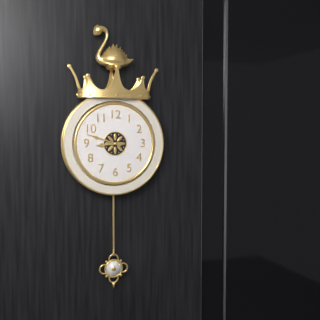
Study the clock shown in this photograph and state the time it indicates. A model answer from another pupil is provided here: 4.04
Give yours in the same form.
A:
8.48
